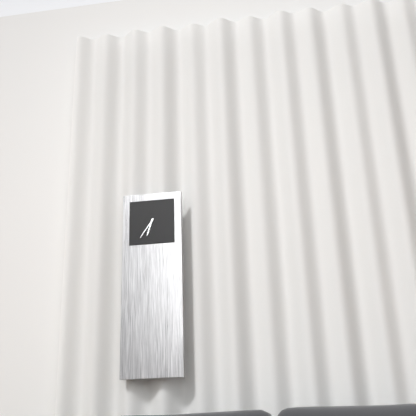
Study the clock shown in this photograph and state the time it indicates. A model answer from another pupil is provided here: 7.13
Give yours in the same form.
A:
6.36
